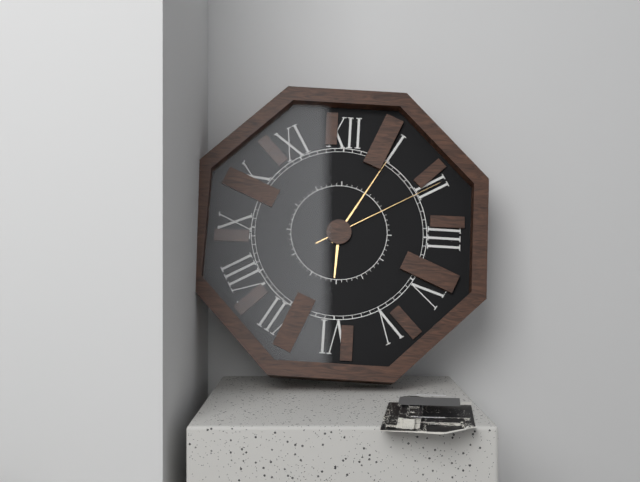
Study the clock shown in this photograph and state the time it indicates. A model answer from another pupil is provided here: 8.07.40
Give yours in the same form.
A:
6.05.10
